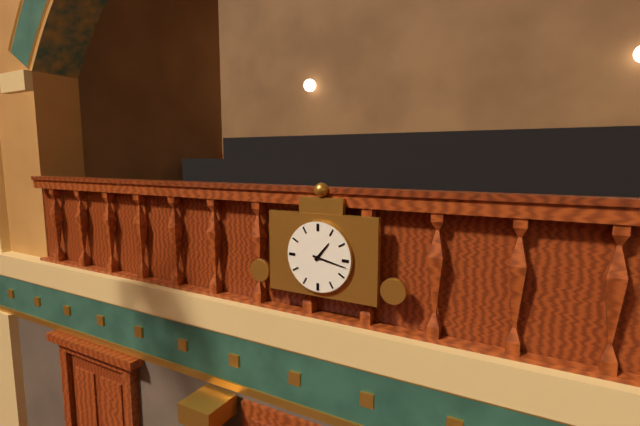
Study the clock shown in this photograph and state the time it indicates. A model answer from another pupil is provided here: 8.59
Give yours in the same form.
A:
1.17
